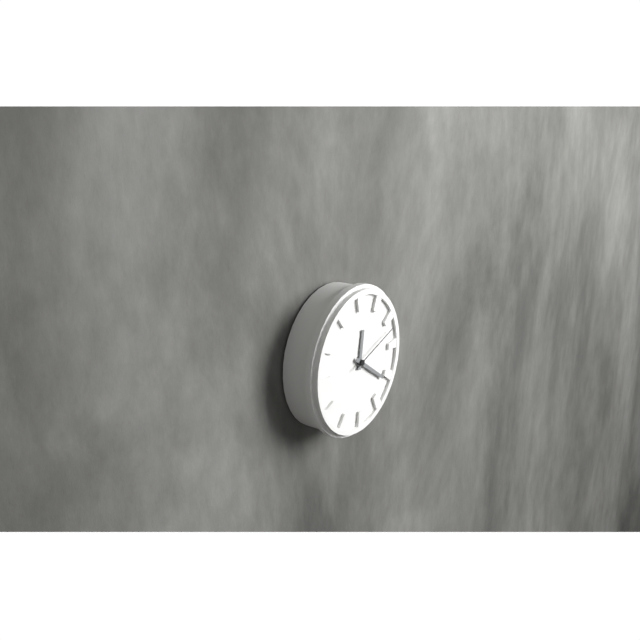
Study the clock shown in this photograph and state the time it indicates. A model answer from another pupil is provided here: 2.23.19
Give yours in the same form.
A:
12.21.12
